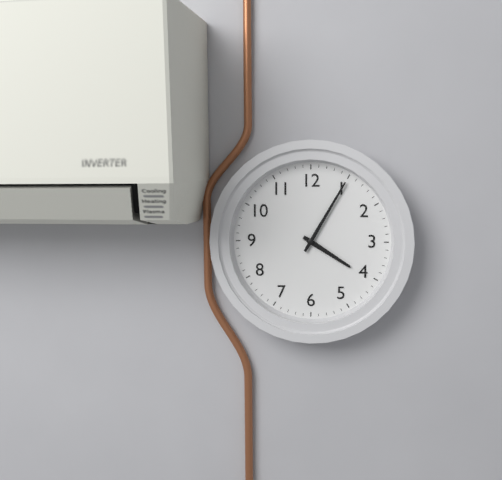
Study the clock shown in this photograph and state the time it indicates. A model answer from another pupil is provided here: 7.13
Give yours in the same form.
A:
4.05
